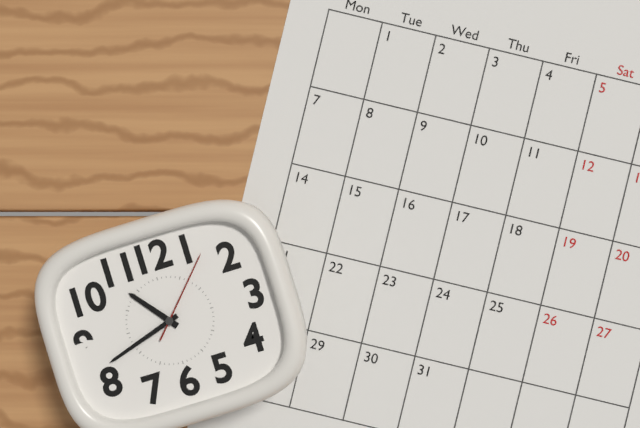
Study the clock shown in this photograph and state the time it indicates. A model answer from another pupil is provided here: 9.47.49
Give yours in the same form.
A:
10.42.07
